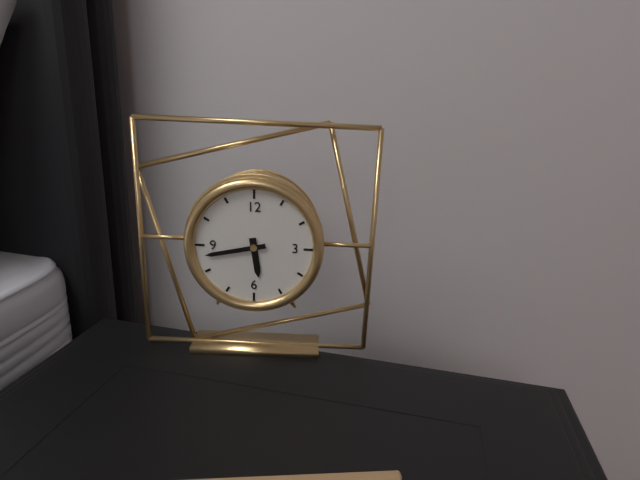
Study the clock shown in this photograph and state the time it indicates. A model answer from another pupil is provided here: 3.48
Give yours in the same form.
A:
5.43
